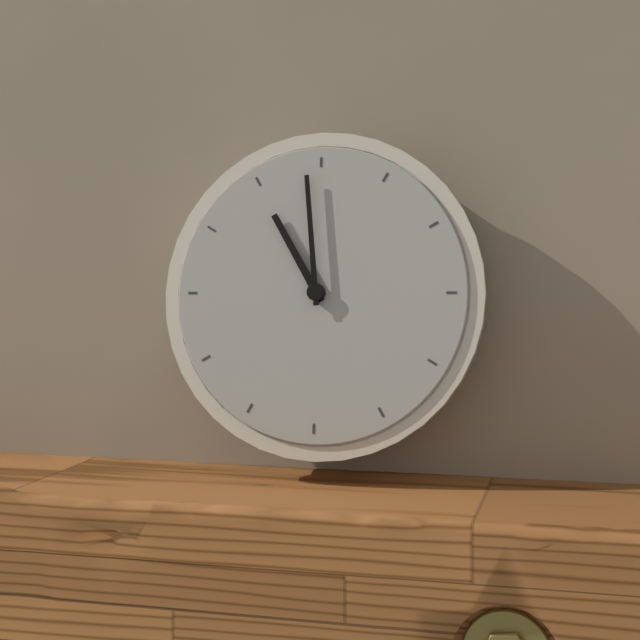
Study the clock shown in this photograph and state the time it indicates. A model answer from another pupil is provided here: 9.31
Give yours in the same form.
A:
10.59
